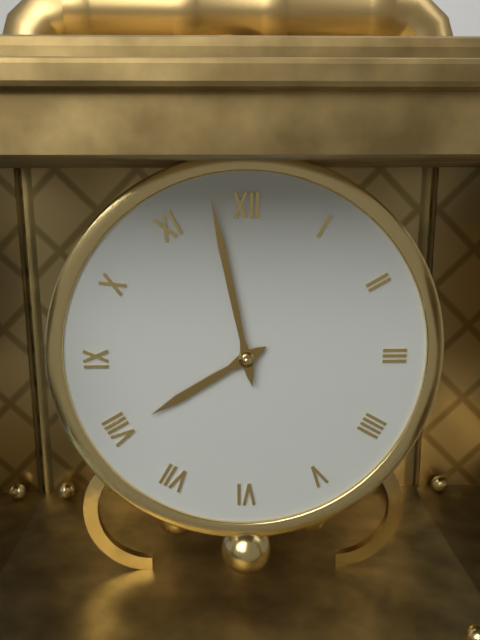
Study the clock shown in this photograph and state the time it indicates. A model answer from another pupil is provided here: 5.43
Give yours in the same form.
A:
7.58
